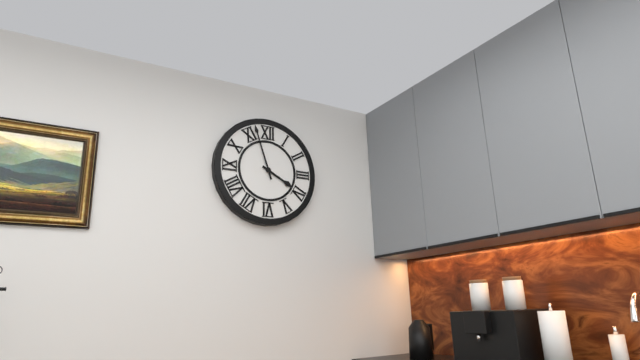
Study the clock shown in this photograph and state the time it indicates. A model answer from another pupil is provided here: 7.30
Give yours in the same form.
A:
3.57
